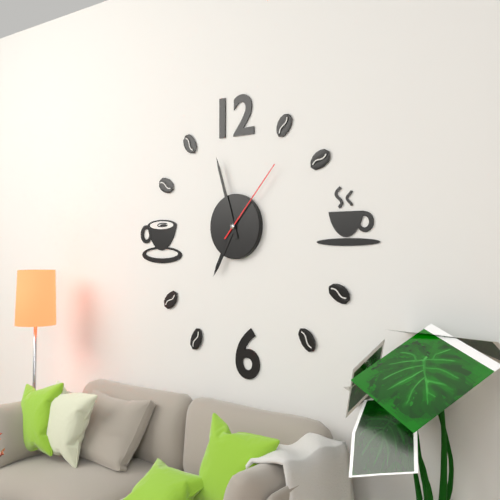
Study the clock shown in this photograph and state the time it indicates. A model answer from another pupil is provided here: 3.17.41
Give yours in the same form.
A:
6.57.07
